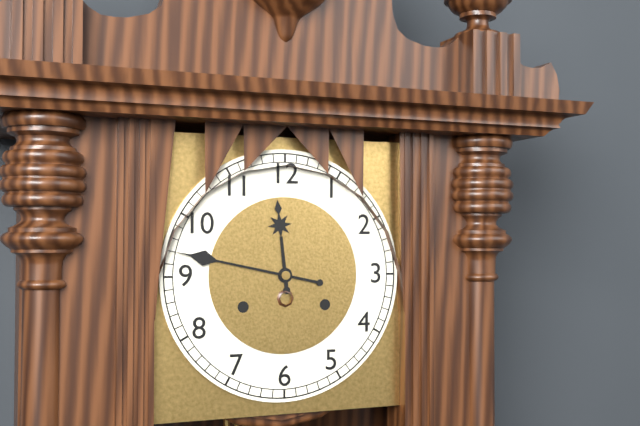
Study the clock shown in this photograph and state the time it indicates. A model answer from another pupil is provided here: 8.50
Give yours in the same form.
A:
11.47
